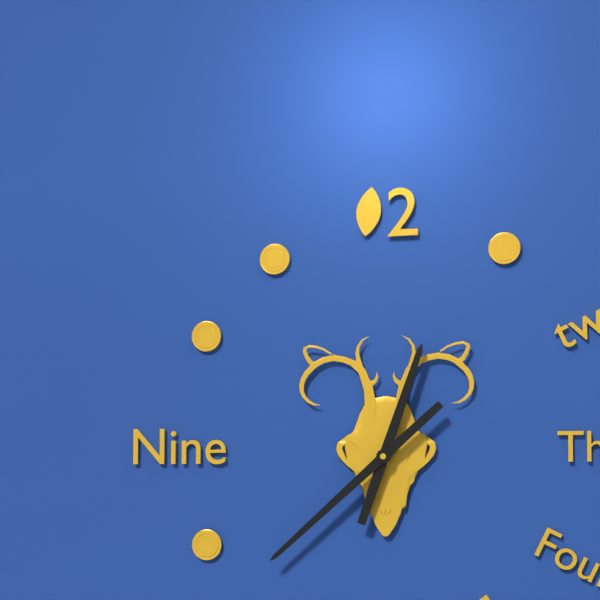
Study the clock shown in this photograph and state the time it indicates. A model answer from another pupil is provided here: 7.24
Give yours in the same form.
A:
12.38
